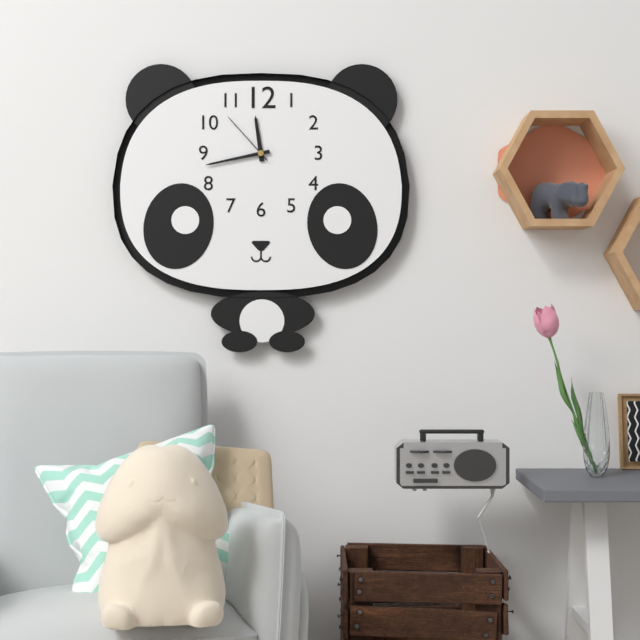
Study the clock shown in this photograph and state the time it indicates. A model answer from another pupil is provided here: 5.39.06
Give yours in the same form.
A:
11.43.53
